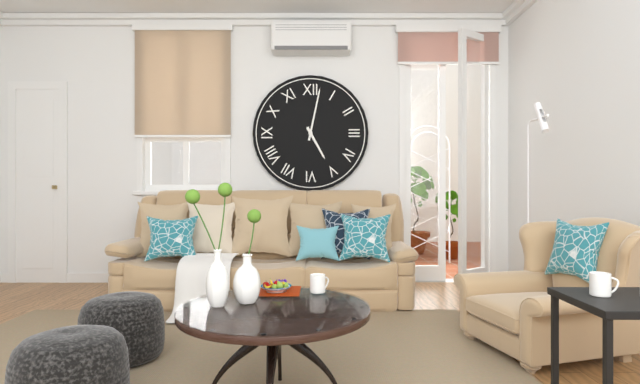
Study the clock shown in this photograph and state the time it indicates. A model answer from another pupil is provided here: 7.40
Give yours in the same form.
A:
5.02
